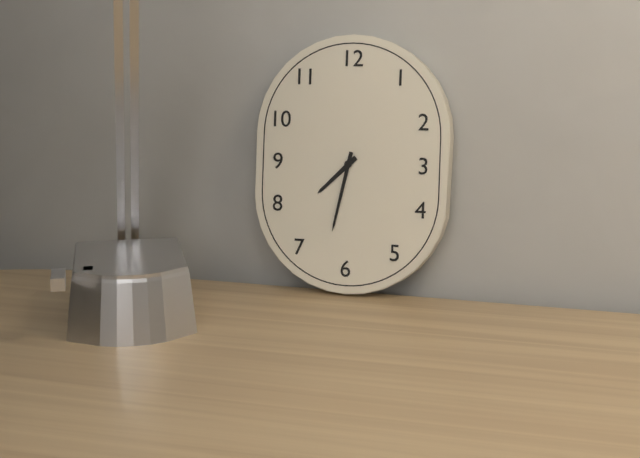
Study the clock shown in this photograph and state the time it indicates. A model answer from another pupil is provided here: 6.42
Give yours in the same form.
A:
7.32
